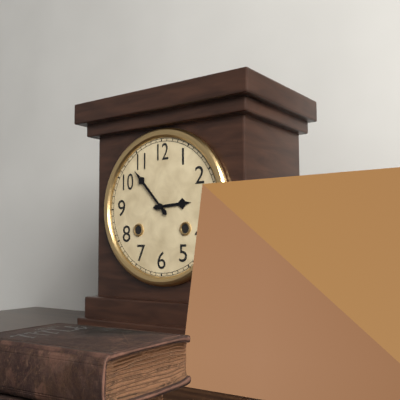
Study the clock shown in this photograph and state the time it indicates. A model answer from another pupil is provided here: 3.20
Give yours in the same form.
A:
2.53
